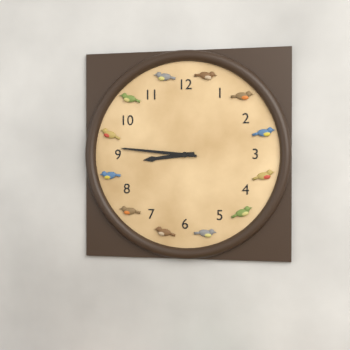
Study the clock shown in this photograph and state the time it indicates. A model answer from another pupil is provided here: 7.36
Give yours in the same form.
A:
8.46
